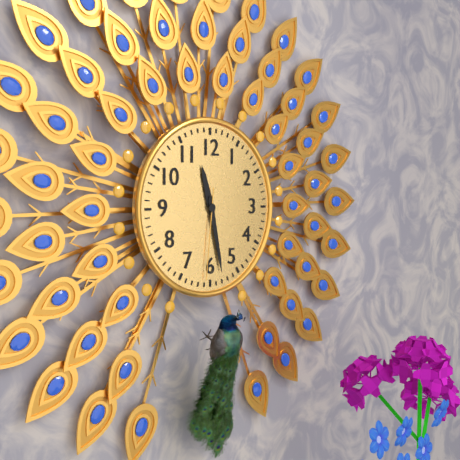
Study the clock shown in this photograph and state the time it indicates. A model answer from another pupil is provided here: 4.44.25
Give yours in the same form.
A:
11.28.31
